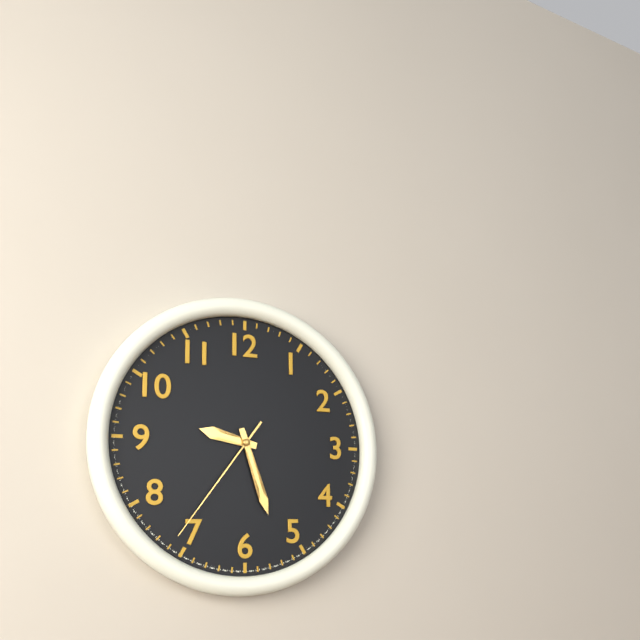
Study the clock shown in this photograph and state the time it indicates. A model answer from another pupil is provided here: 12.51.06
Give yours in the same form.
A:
9.27.36
